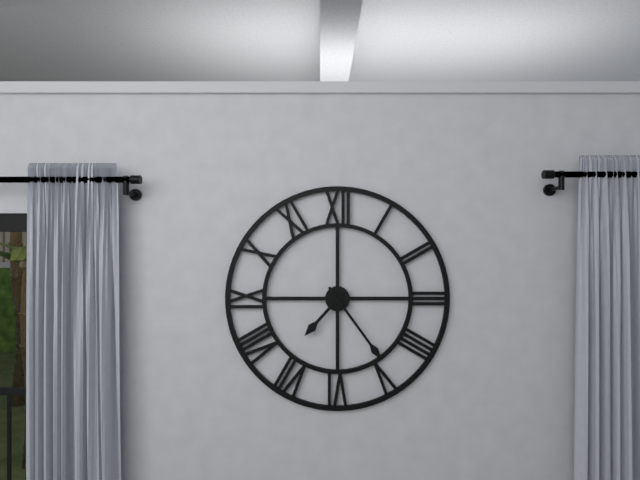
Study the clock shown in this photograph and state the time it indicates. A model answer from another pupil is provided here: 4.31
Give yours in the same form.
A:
7.24
